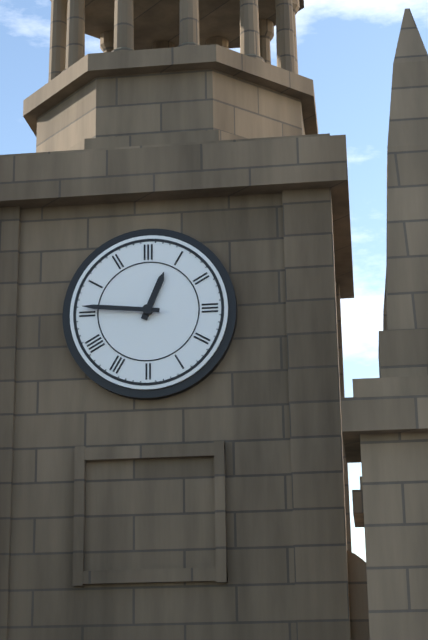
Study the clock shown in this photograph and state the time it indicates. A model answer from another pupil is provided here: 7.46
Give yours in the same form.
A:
12.46
